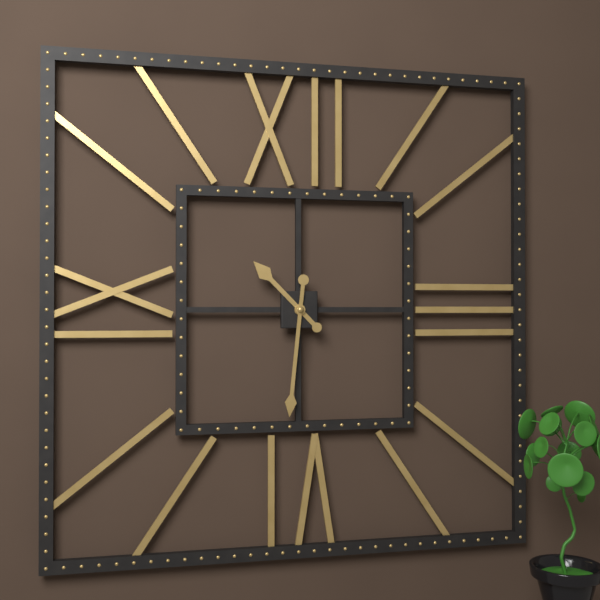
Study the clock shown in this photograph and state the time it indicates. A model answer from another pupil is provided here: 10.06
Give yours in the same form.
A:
10.31
